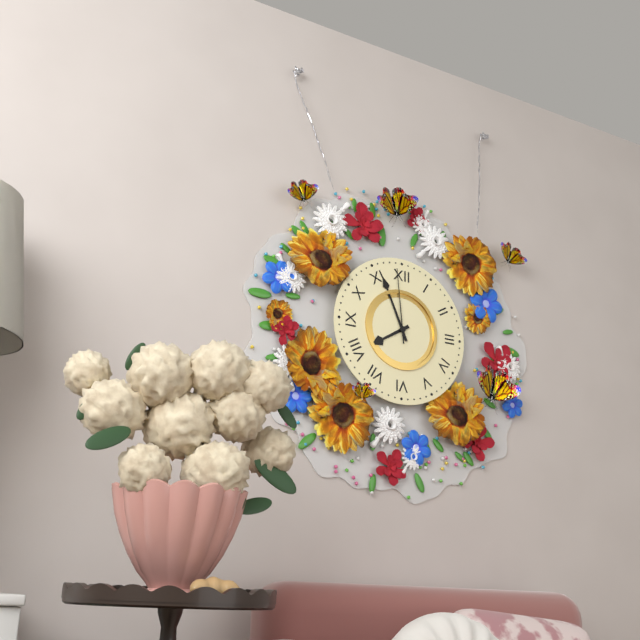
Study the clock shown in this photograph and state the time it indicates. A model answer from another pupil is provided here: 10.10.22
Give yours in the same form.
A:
7.56.59
